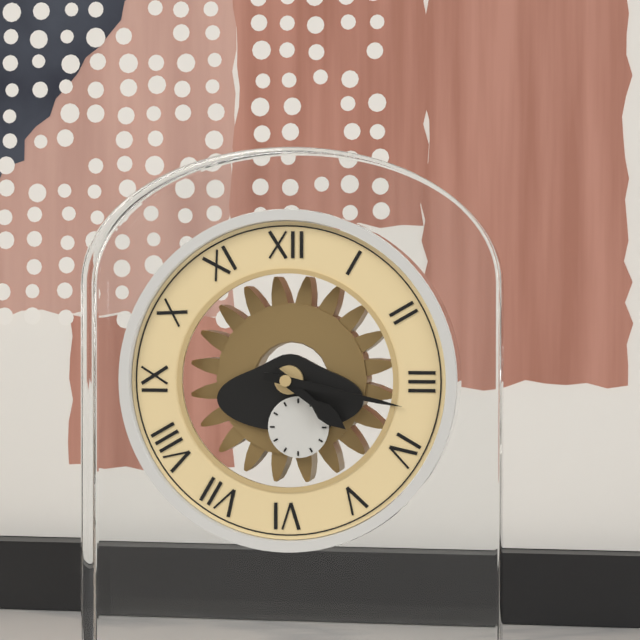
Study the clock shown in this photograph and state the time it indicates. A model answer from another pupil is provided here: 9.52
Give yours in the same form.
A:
4.17
